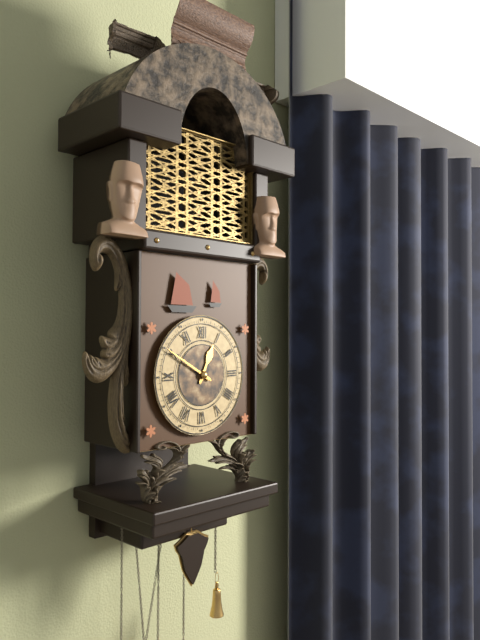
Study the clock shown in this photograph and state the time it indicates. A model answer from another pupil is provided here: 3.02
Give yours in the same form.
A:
12.50
